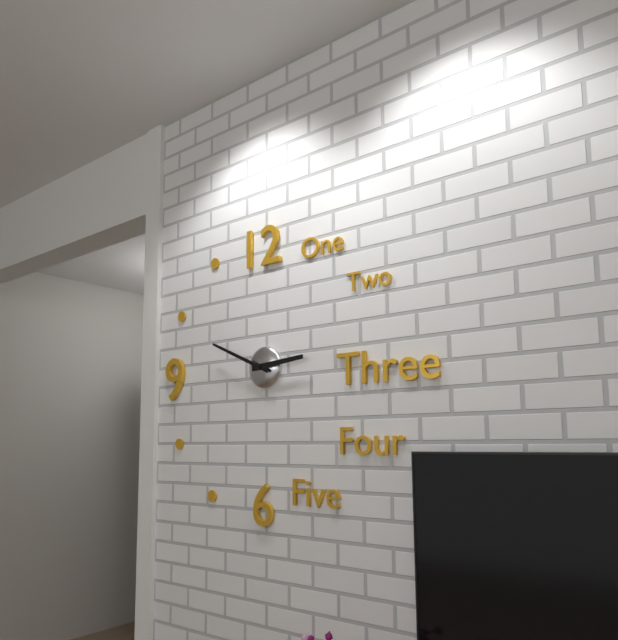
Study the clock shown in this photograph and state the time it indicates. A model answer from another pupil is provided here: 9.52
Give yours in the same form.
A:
2.49
